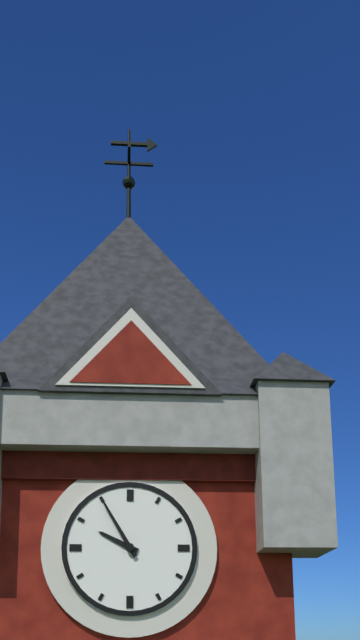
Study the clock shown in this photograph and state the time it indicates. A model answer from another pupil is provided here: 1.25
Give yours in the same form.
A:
9.55
